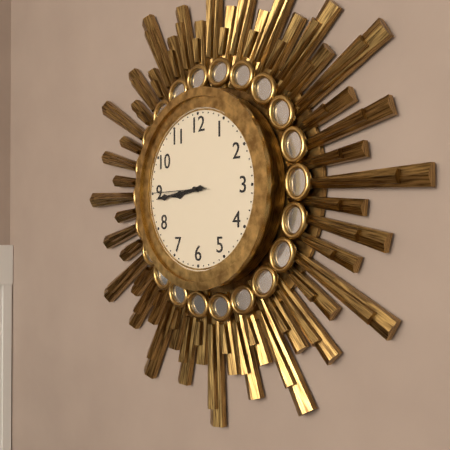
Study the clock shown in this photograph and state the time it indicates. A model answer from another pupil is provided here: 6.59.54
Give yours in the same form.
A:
8.44.45
